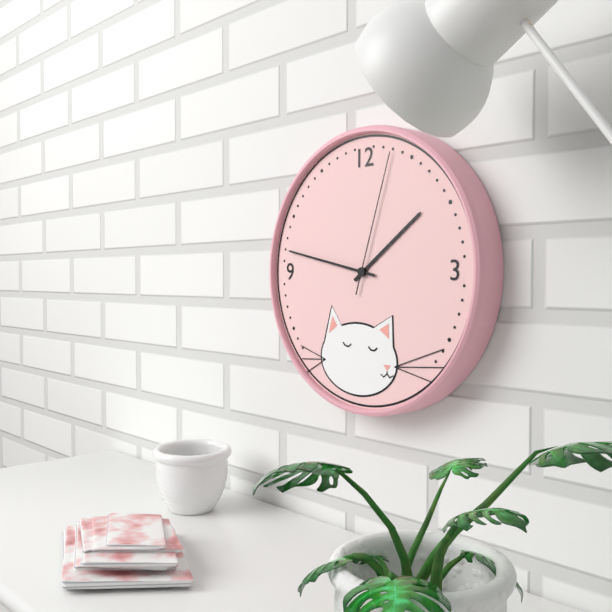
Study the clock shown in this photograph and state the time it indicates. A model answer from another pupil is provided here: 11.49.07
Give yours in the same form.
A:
1.47.03
